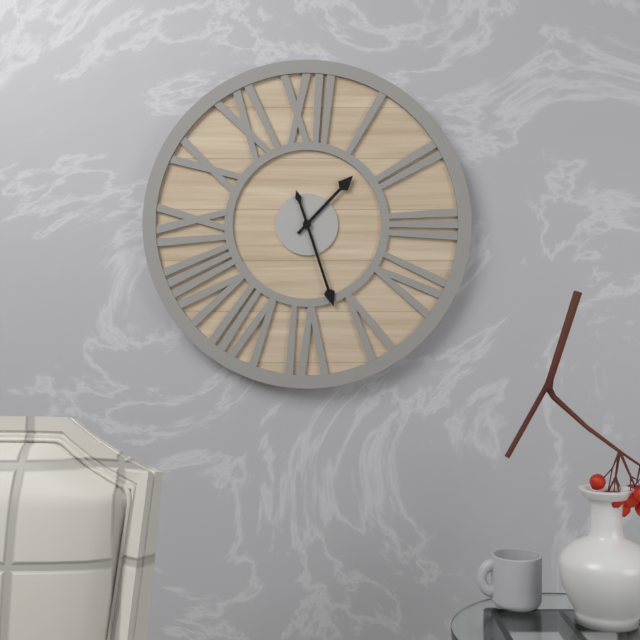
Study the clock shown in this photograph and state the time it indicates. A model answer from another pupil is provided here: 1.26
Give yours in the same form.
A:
1.27
